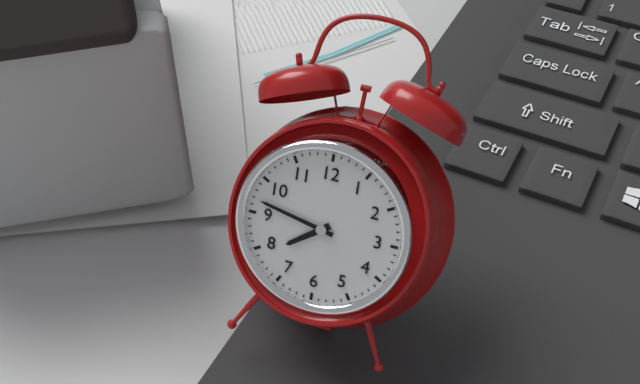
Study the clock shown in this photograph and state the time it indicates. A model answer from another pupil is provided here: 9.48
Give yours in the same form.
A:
7.47
